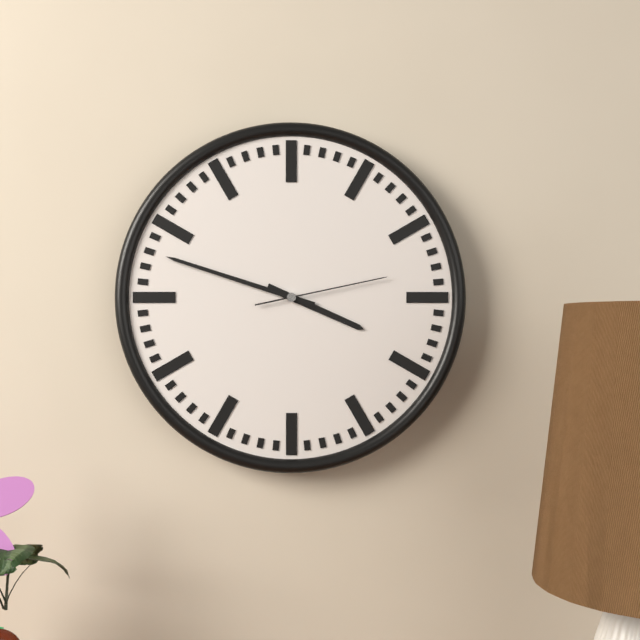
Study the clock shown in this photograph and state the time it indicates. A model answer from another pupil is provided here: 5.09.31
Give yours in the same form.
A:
3.48.13
